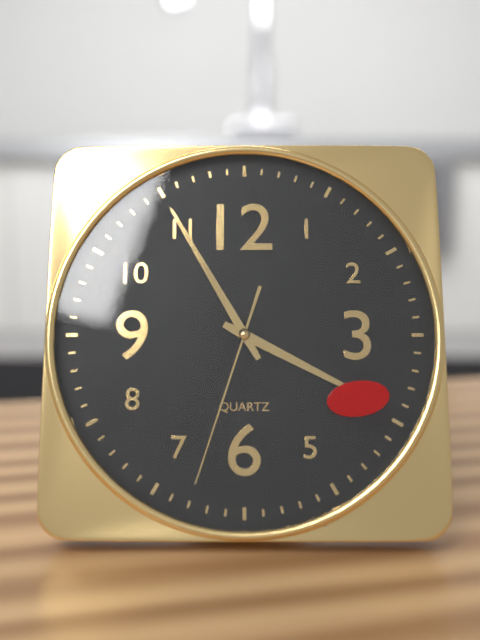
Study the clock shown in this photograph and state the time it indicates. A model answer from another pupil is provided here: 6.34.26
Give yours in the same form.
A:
3.55.33
